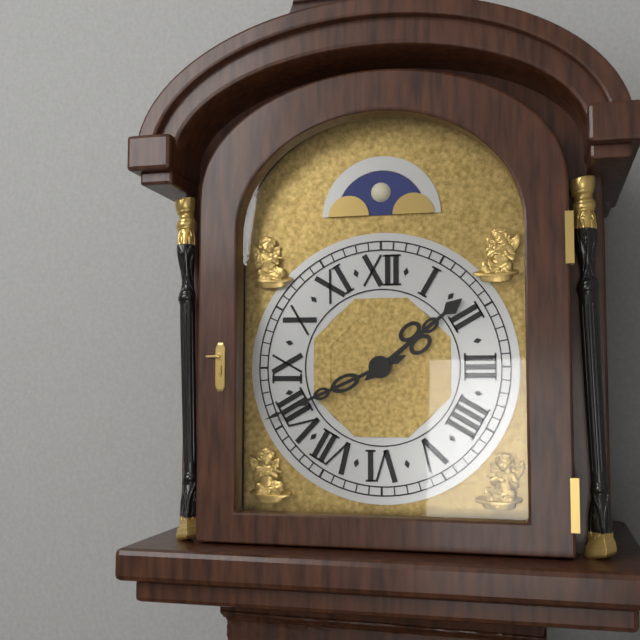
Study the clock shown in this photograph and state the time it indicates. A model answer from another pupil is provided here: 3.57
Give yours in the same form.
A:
1.41
